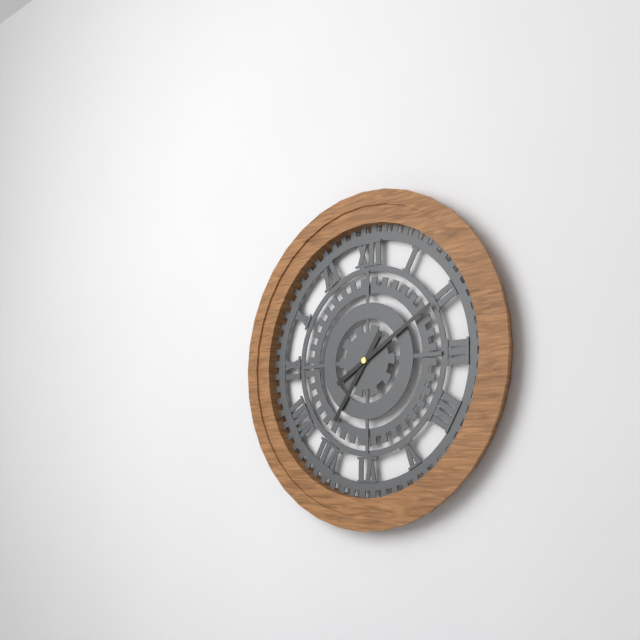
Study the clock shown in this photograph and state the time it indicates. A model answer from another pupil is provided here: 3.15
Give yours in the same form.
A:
7.10
